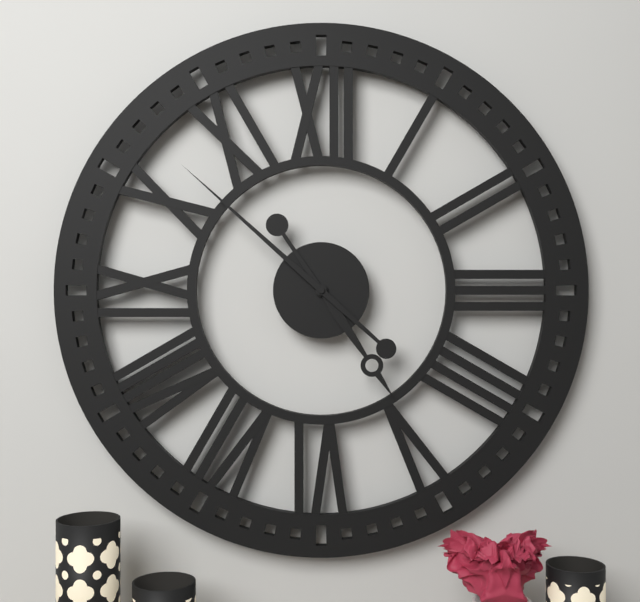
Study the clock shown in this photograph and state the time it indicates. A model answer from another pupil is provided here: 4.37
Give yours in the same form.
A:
4.52
